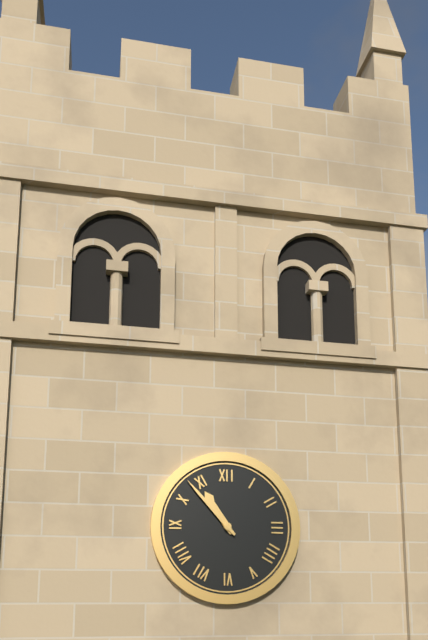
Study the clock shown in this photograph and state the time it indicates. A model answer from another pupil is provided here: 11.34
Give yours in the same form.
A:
10.53
